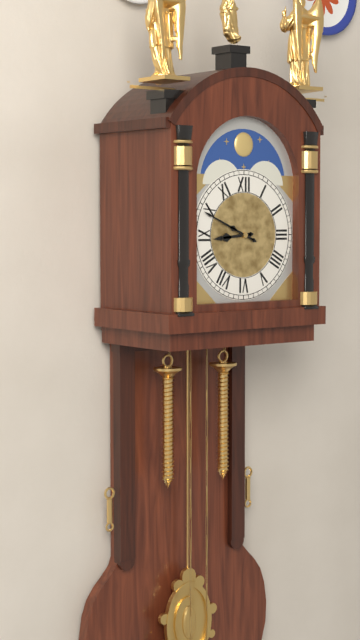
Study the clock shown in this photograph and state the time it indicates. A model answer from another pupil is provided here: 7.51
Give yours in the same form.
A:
8.49
